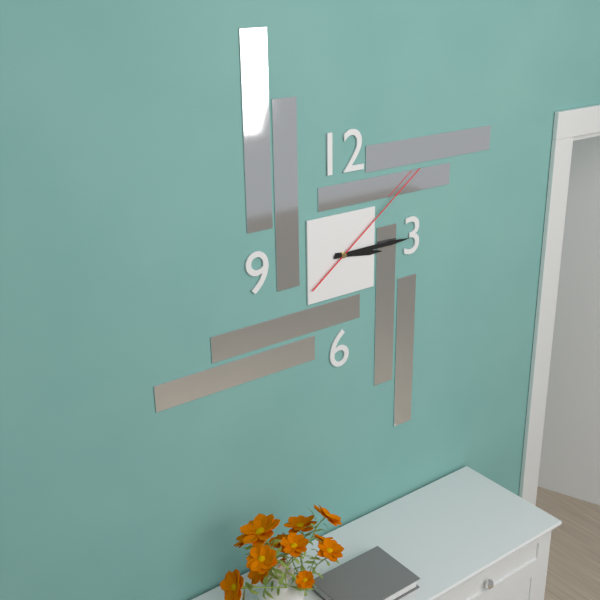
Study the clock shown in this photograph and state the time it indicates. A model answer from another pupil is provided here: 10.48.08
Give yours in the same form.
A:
3.15.09
